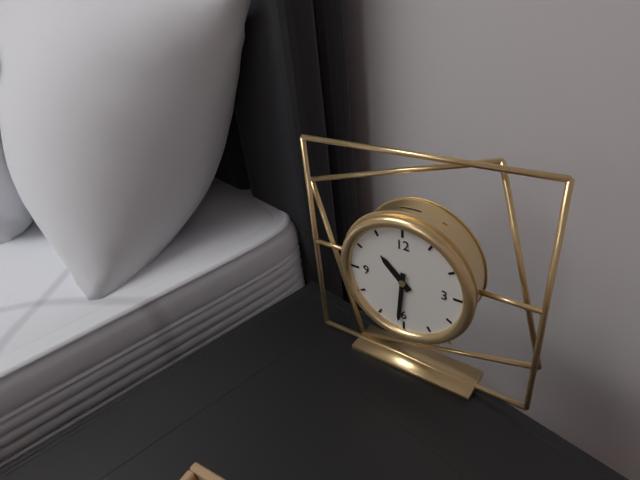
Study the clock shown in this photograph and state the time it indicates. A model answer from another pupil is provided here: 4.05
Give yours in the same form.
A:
10.31
